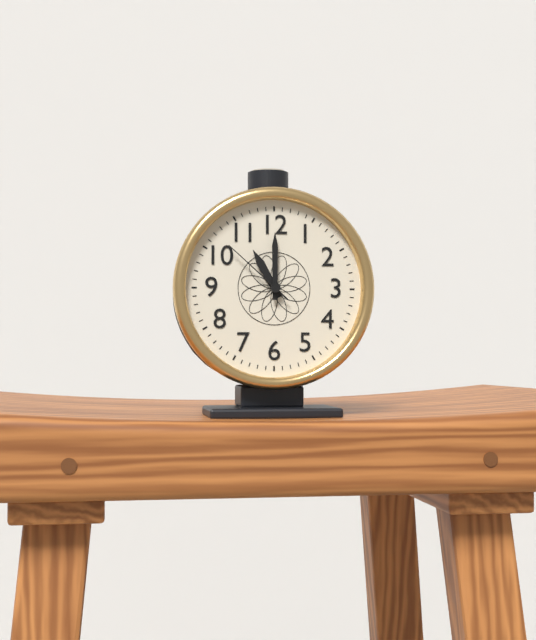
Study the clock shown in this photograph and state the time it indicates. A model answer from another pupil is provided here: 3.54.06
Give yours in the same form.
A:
11.00.52
